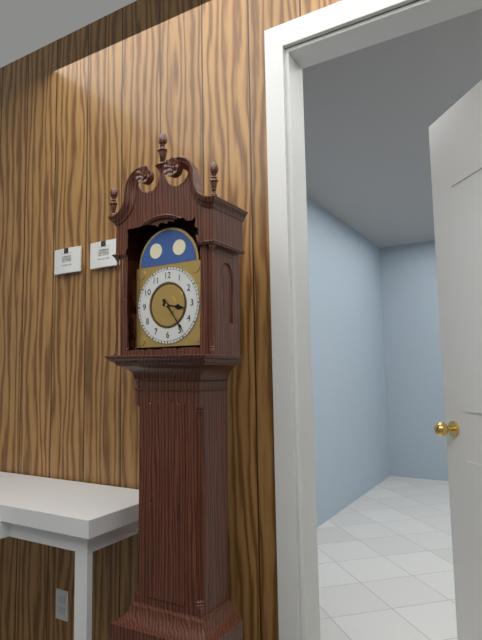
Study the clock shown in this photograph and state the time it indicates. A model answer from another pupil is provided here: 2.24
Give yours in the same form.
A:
3.24
